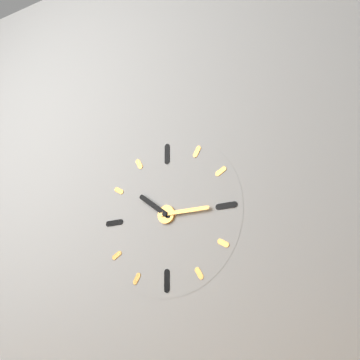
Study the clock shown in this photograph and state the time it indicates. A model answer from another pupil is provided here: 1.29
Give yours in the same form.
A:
10.15
